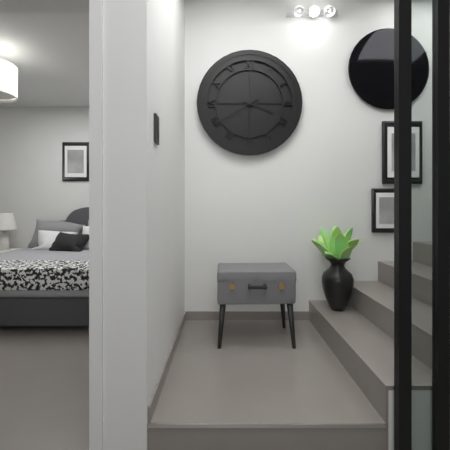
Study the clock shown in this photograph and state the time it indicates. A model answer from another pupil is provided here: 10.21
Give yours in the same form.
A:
3.40
